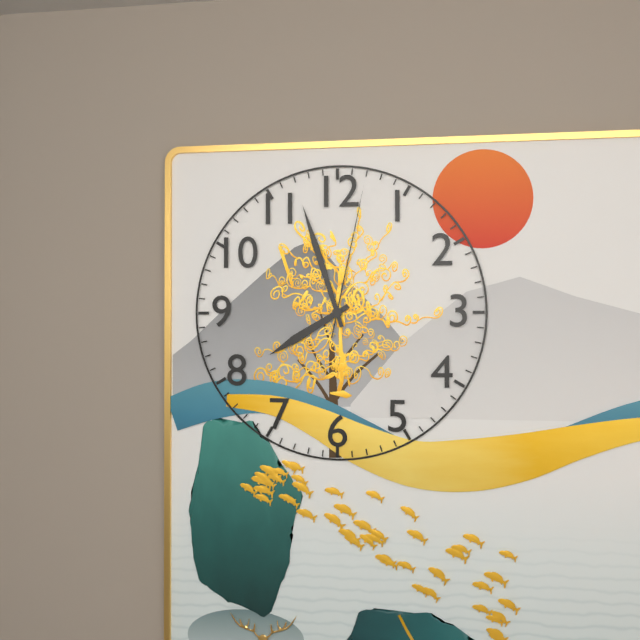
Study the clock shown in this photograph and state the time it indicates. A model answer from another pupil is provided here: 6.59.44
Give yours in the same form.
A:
7.57.02
